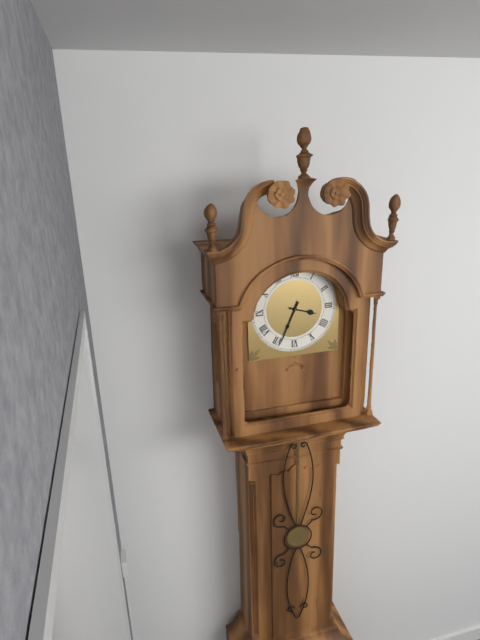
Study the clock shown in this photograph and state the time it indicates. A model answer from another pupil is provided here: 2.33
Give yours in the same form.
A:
3.34
